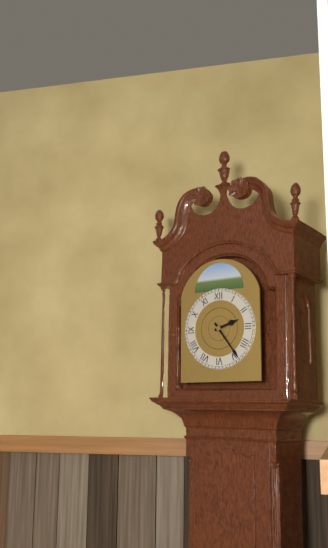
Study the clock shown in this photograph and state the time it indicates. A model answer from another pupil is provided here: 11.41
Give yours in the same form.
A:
2.24
